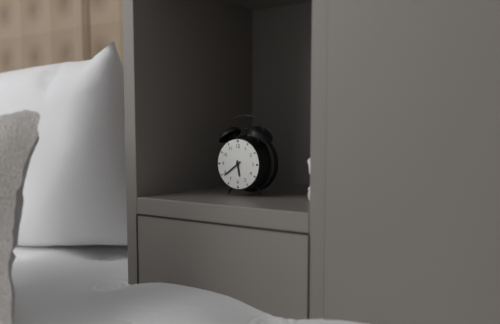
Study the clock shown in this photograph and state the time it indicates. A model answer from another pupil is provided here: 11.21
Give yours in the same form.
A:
5.39
